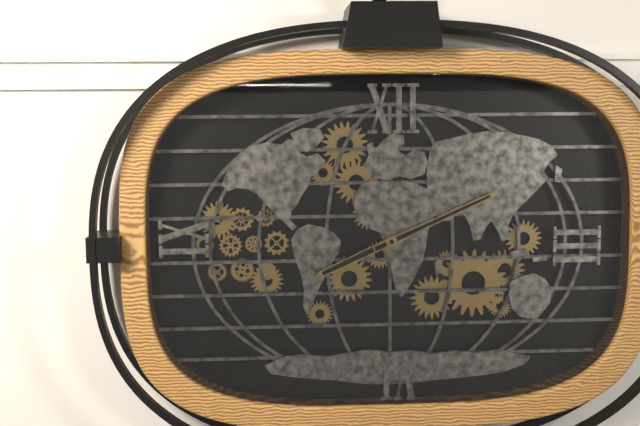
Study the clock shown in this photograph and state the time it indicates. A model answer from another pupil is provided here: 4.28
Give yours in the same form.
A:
8.11
